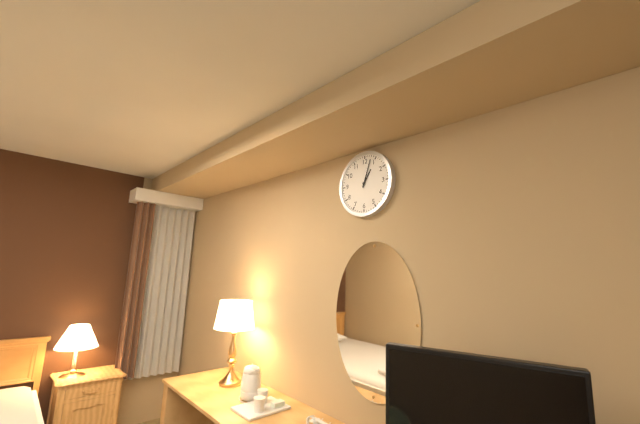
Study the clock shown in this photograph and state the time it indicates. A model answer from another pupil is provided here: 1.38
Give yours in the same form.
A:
1.03
